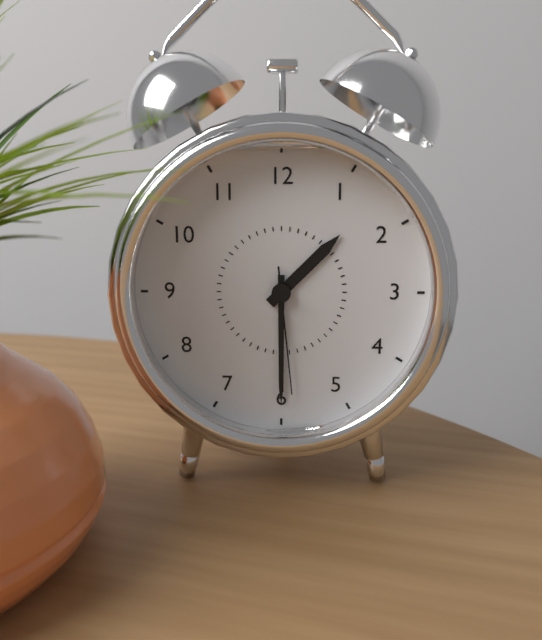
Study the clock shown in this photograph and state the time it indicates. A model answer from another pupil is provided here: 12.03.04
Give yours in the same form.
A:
1.30.29
